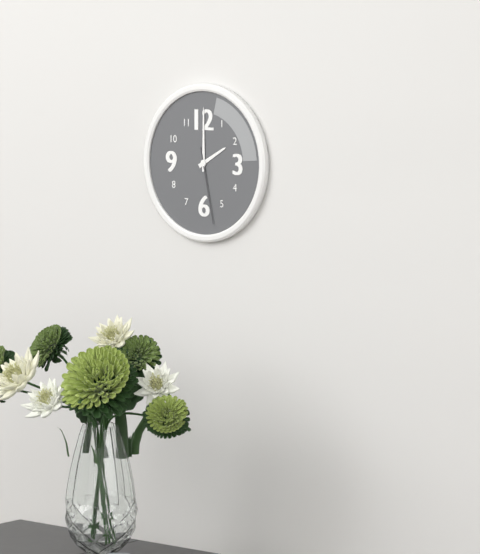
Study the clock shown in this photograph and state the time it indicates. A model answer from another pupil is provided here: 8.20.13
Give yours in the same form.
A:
2.00.28
